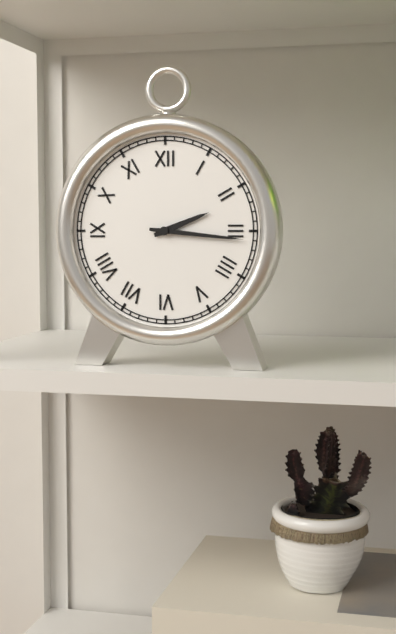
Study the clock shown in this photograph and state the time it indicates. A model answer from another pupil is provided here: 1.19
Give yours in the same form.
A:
2.16
